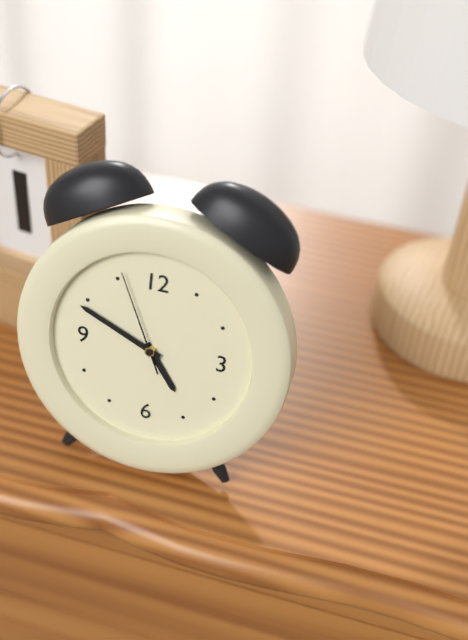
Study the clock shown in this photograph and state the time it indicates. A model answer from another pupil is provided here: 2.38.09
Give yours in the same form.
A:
4.49.56
